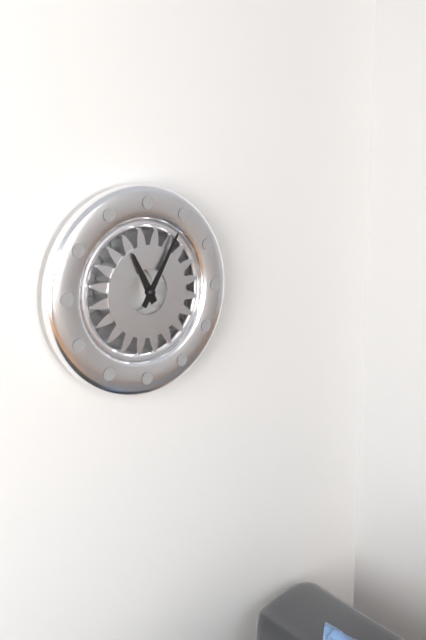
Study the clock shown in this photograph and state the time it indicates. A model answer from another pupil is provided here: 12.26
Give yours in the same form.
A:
11.05
